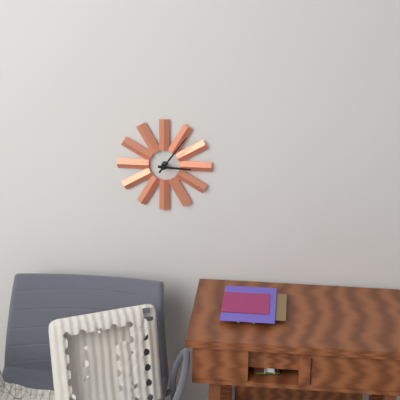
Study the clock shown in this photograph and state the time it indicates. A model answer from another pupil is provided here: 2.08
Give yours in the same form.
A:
3.06
